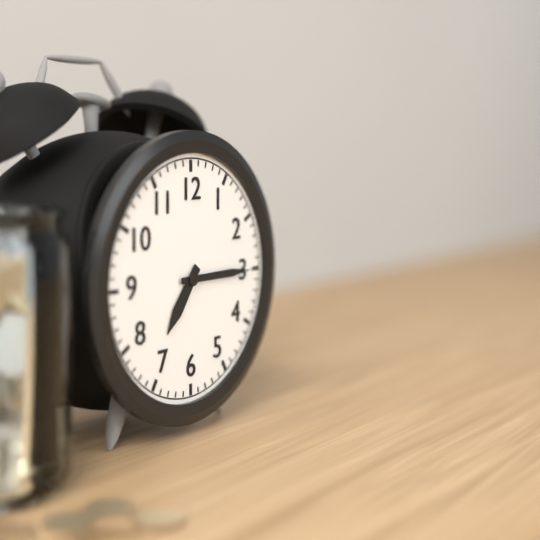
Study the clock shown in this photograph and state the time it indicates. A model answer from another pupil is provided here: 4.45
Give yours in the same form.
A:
7.15
